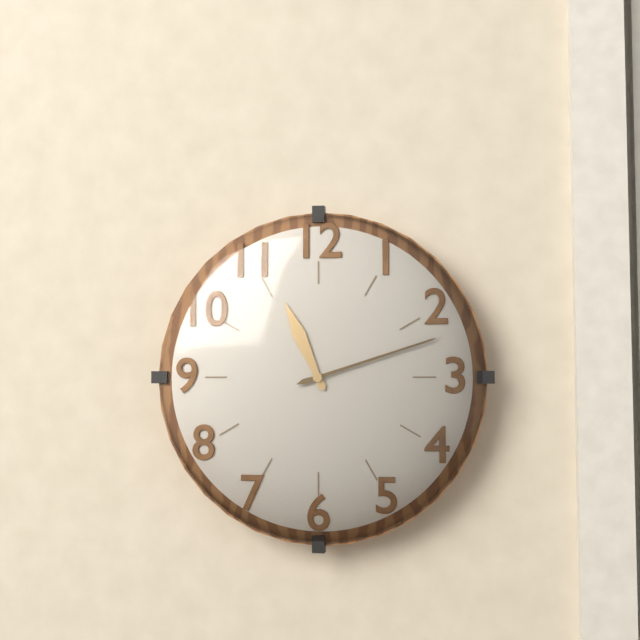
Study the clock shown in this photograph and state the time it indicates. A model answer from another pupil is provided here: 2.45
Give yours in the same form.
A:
11.12
